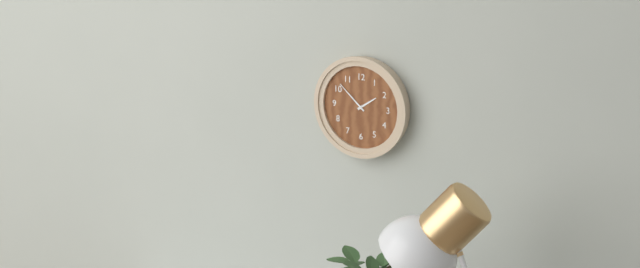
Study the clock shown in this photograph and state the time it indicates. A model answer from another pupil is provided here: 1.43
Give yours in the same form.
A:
1.52
